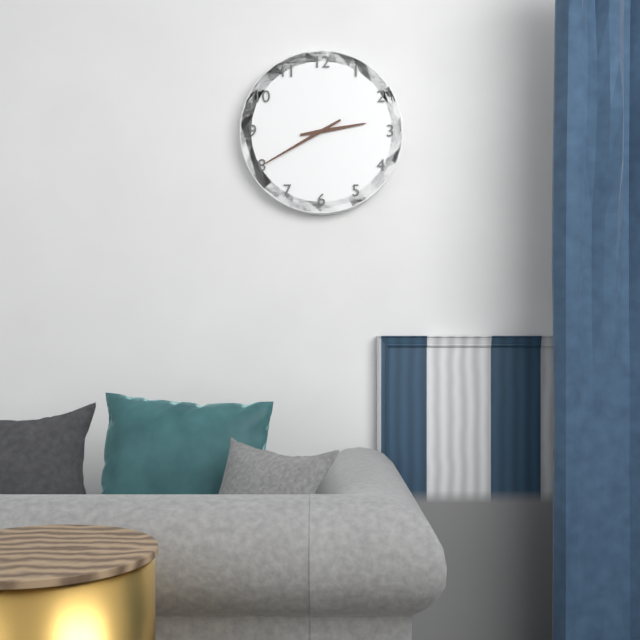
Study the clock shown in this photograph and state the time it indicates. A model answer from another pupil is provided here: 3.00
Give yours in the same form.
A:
2.40
